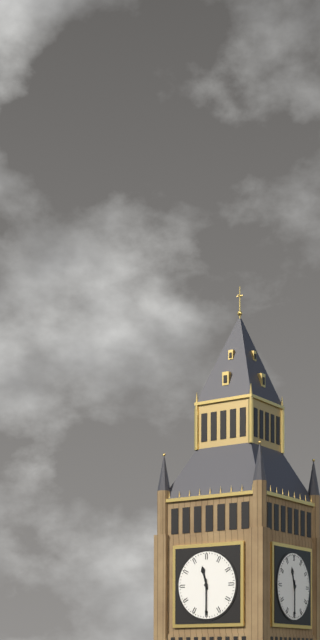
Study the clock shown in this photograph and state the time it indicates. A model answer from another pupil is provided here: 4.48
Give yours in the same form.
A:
11.30
